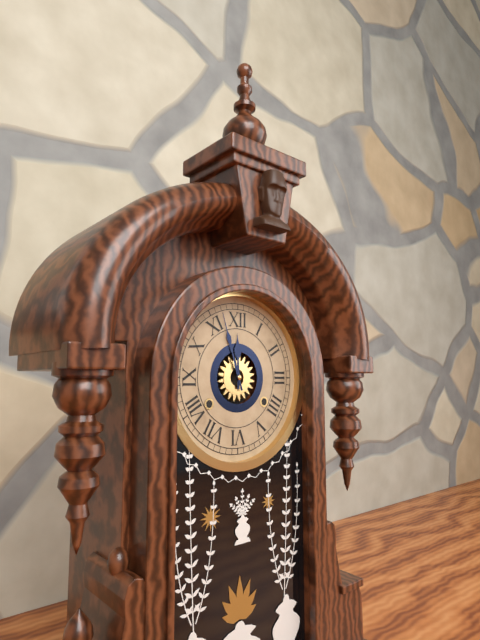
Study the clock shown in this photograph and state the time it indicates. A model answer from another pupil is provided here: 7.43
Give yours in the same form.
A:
11.57
